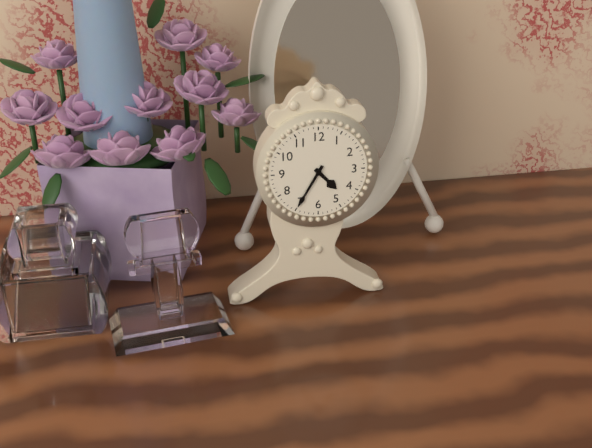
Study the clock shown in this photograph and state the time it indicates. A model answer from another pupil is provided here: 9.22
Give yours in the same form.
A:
4.35
